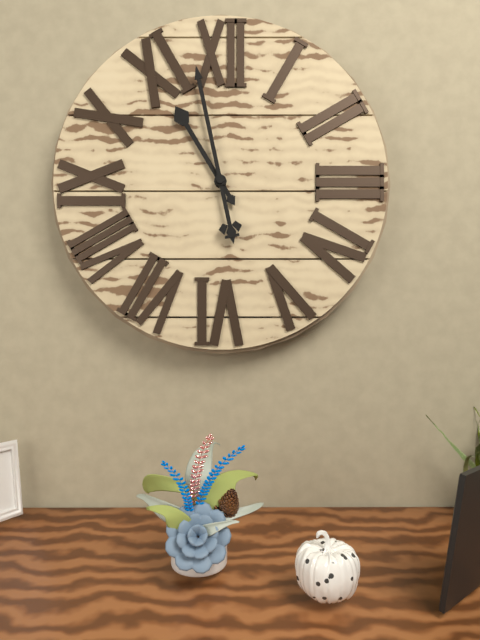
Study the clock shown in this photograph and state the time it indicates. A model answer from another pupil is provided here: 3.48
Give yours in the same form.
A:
10.58
